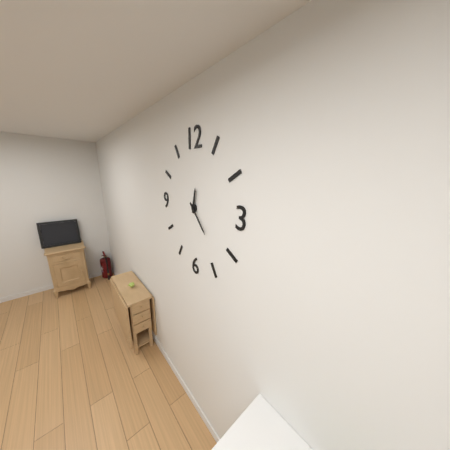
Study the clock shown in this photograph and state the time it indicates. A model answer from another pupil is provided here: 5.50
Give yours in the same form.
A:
12.23
